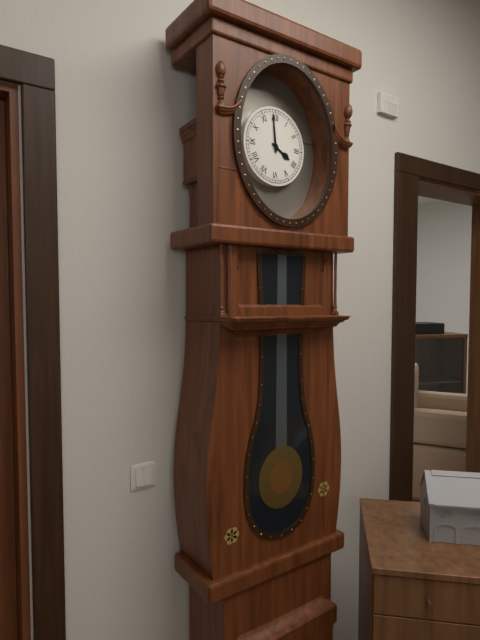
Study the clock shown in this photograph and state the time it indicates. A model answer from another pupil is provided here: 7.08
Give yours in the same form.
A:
3.59
